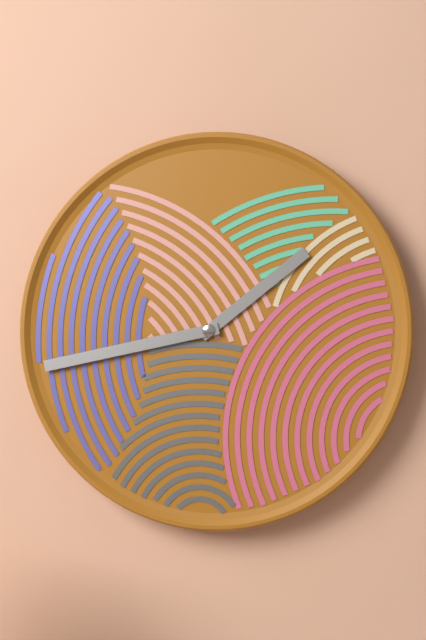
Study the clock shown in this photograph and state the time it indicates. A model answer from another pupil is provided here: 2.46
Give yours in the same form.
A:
1.43
